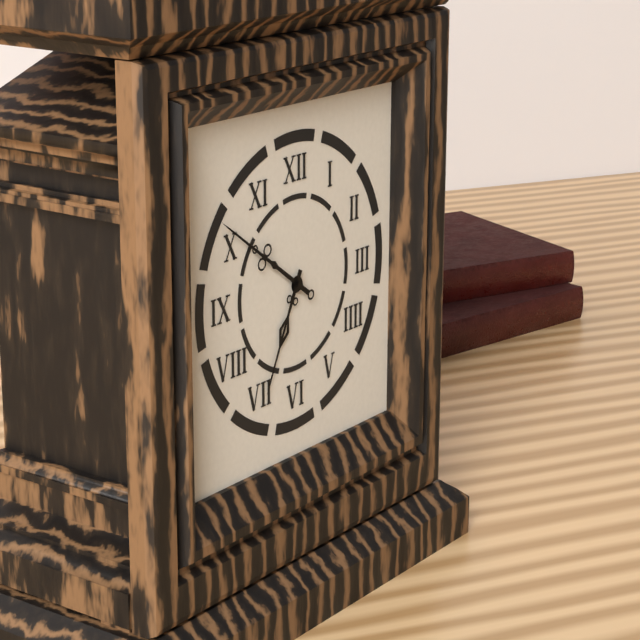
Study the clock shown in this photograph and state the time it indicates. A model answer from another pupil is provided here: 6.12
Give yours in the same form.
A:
6.51
